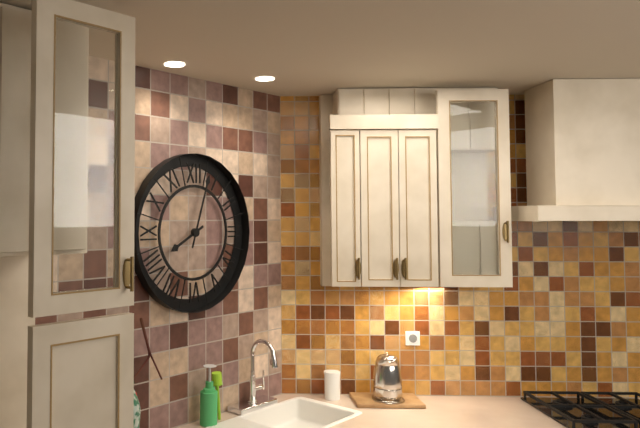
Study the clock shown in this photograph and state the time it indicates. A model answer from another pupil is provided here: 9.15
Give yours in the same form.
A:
8.03
